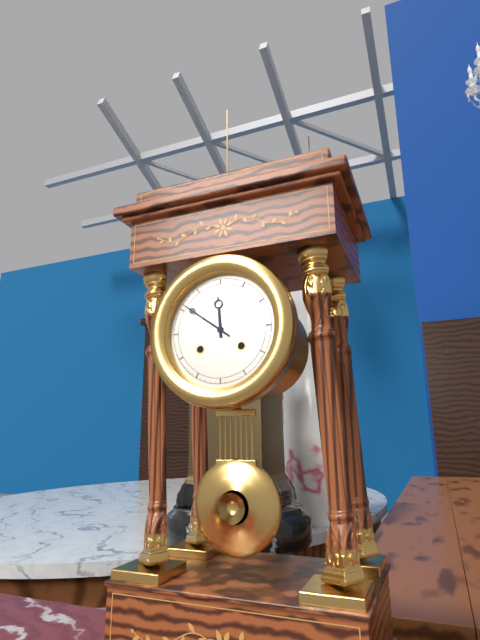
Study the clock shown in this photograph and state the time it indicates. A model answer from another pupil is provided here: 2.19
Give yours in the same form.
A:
11.51
